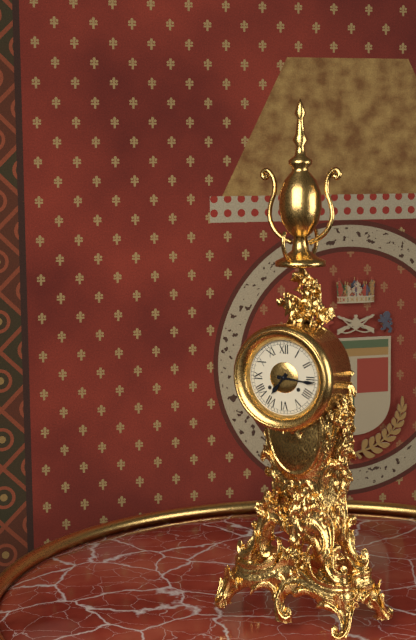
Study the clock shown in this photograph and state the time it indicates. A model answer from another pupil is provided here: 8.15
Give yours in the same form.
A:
7.16
